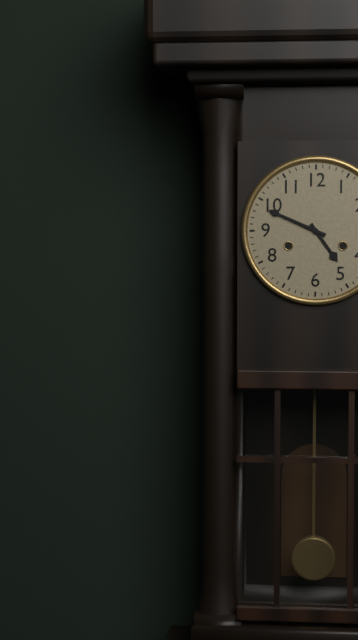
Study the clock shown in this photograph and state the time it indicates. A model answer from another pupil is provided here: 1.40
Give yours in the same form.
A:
4.49
